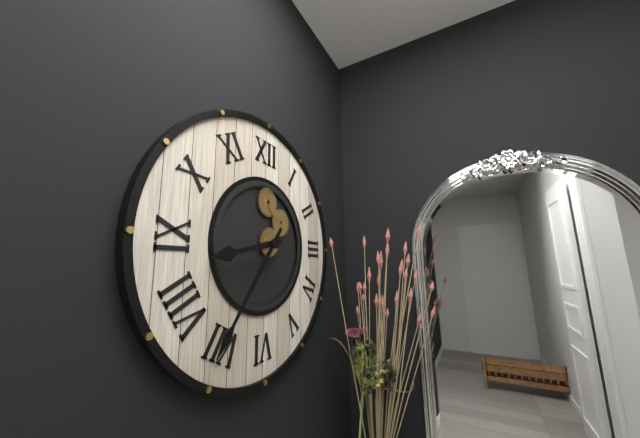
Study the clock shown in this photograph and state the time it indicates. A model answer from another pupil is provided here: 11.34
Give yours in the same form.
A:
8.36
